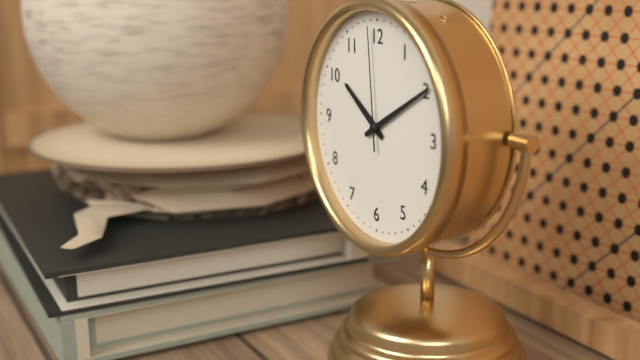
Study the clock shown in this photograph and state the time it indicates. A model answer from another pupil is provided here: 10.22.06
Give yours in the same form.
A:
10.10.59
